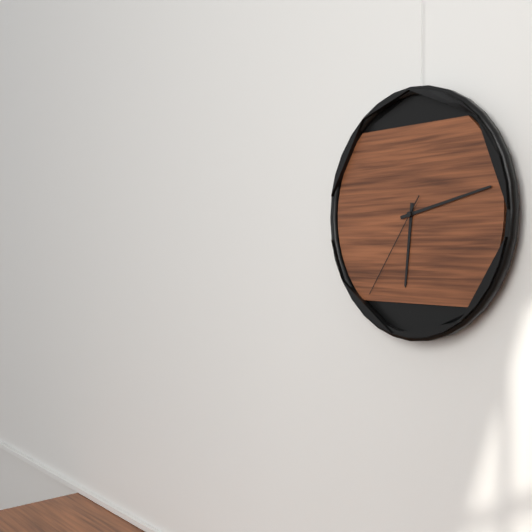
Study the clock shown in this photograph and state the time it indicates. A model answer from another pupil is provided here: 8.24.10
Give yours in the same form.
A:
6.13.36
